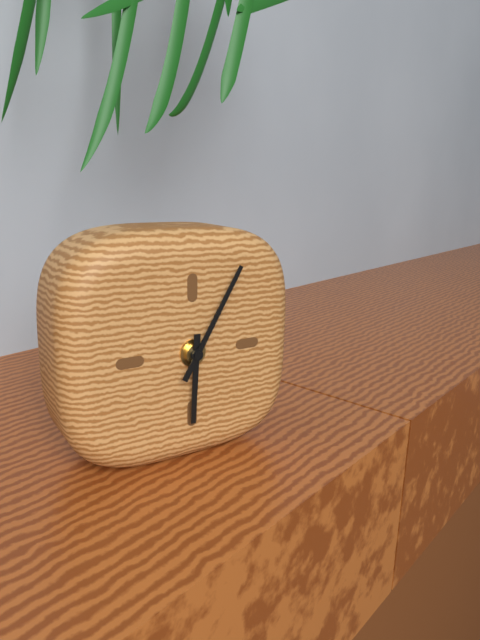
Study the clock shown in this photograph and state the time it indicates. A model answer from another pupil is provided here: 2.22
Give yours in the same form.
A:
6.05
